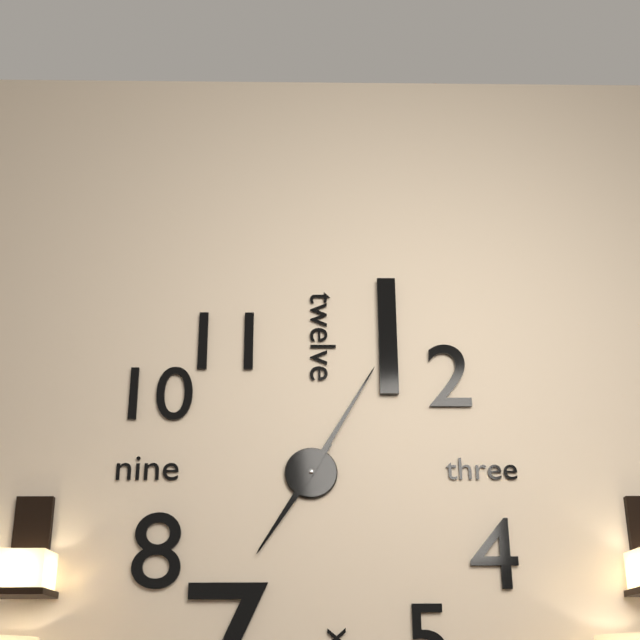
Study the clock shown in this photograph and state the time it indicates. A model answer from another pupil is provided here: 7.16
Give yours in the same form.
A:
7.05
